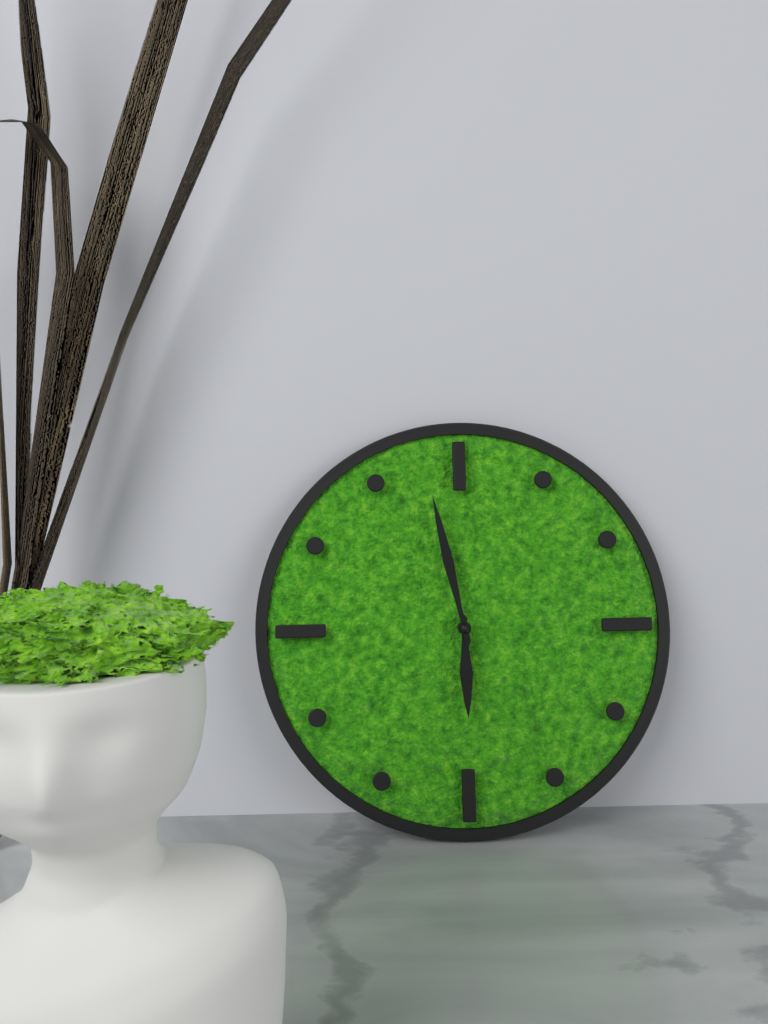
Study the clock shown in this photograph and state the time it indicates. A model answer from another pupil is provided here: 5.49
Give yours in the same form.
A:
5.58
